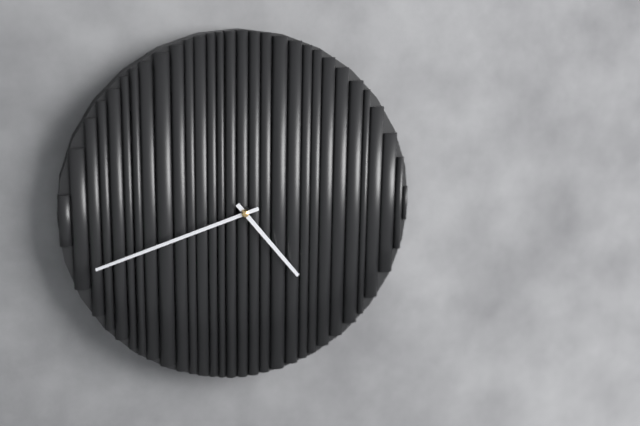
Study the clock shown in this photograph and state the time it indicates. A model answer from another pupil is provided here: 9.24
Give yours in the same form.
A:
4.42
